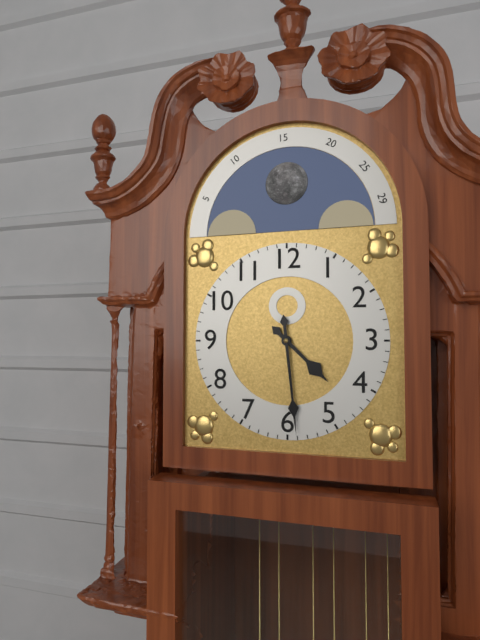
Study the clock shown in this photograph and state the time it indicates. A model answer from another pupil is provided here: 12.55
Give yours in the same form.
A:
4.29
